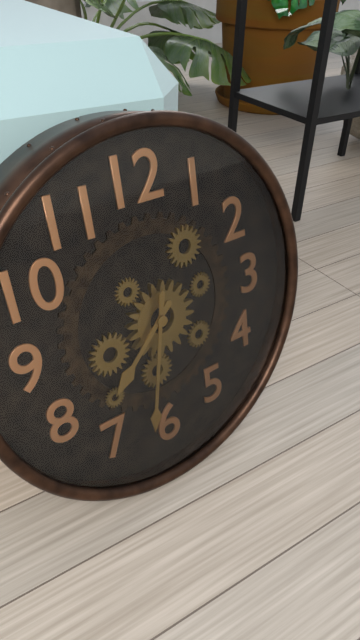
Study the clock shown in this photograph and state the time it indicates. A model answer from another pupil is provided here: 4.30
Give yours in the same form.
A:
7.32
